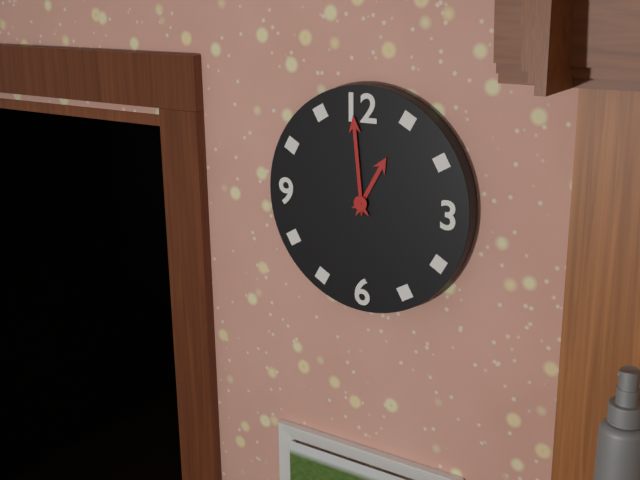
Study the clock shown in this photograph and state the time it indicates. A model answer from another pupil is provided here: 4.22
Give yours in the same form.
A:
12.59
